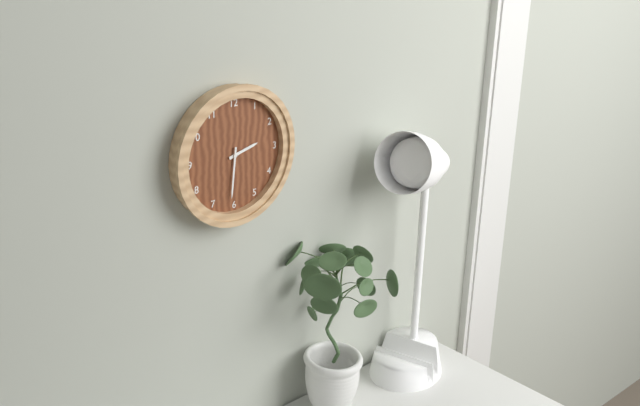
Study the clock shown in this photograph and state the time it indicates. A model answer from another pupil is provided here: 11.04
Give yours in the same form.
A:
2.31
